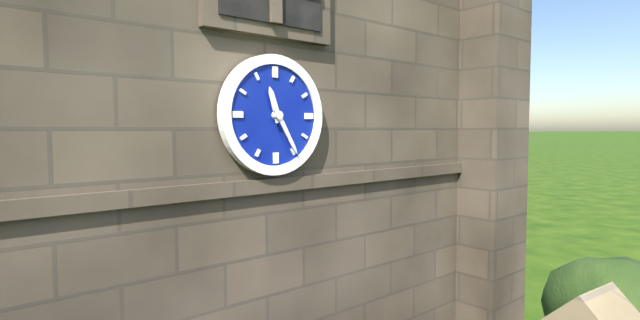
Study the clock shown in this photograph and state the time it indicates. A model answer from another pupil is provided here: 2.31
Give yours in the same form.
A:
11.25
